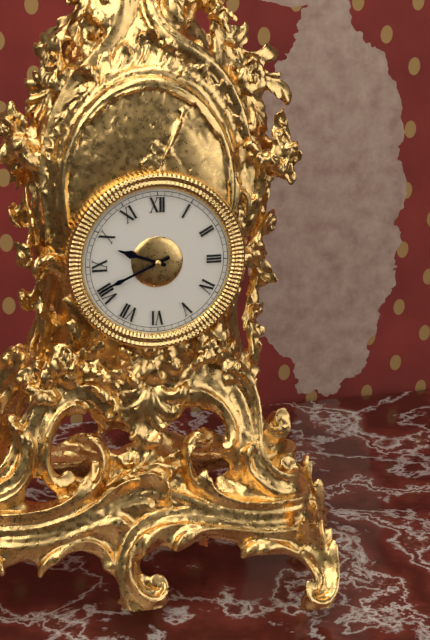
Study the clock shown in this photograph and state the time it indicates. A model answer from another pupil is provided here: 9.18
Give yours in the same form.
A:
9.41
